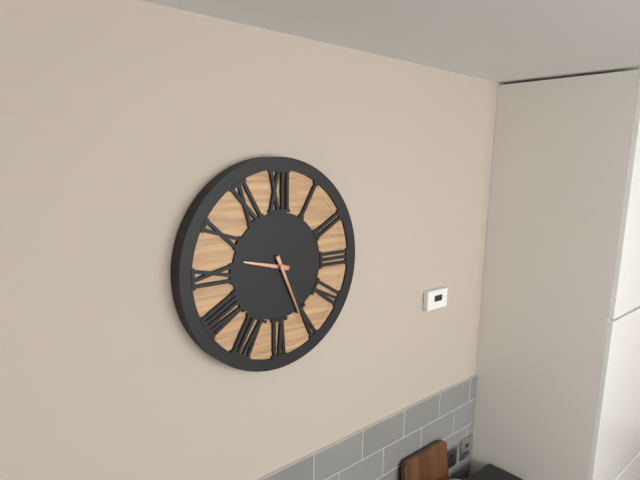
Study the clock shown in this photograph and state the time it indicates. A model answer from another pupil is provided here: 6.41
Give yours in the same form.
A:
9.26
